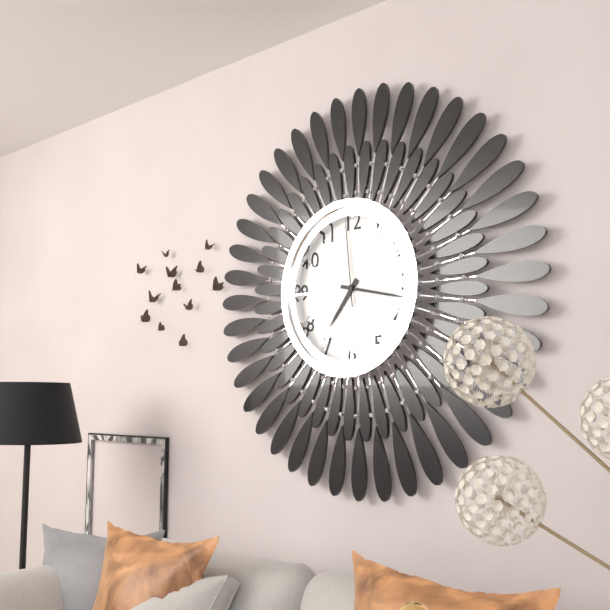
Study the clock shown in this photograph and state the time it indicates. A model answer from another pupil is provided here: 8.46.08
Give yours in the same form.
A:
7.17.59
